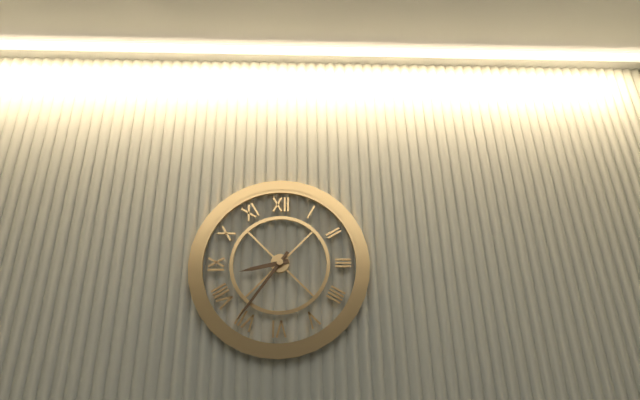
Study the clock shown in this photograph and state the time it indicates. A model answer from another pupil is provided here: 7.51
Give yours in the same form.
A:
8.36
